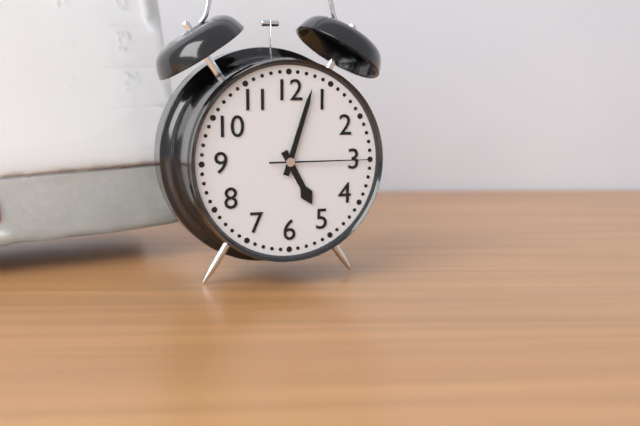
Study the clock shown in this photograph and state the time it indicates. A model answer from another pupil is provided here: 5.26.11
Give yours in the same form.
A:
5.03.15
